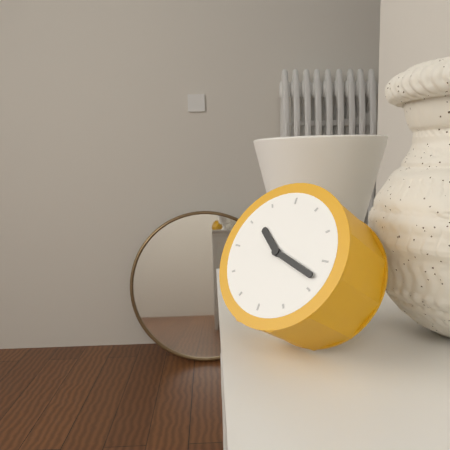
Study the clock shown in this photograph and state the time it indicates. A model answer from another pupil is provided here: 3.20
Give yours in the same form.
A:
10.18
